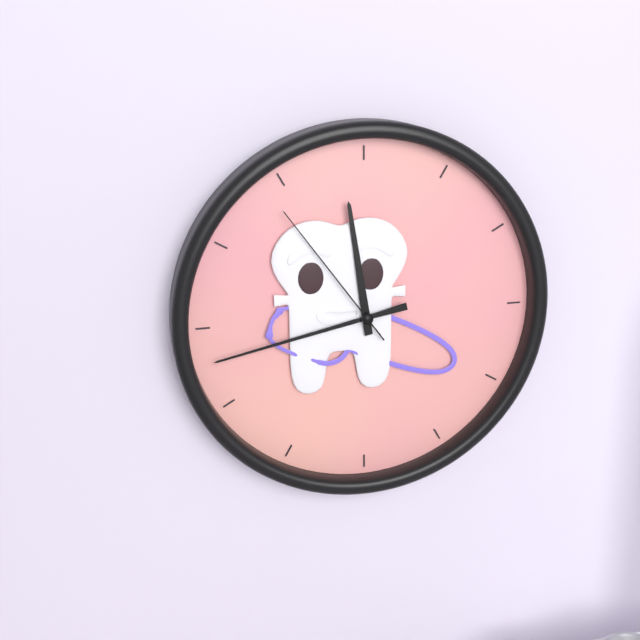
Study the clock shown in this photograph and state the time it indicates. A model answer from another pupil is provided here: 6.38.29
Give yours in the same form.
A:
11.43.54
